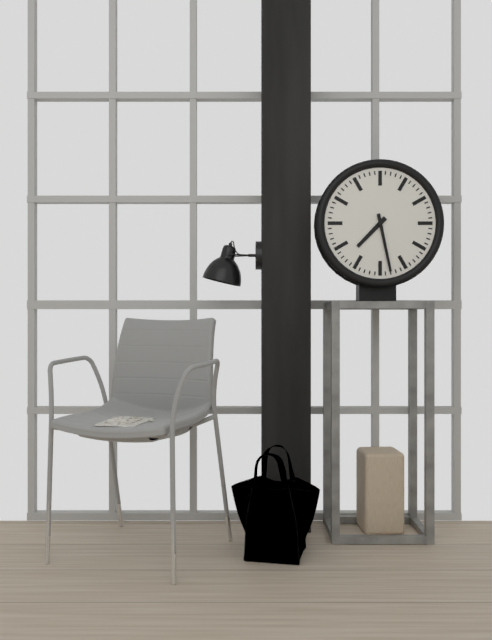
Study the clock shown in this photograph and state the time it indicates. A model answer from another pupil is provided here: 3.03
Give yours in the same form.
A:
7.28
